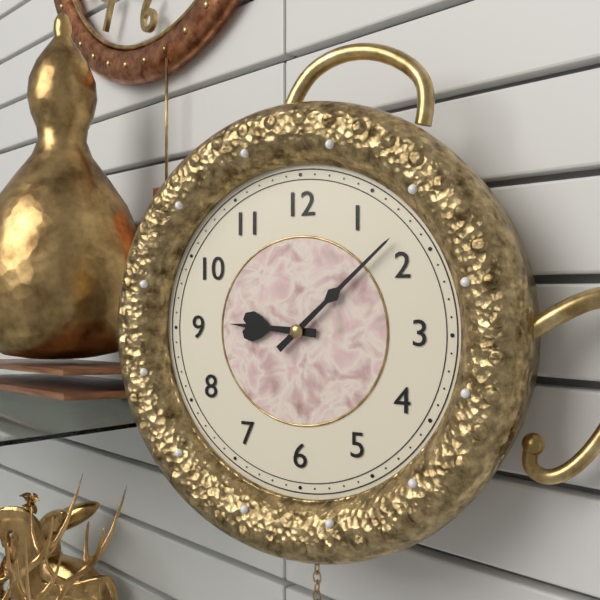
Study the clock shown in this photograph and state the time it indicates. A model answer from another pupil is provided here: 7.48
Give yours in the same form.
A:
9.08
